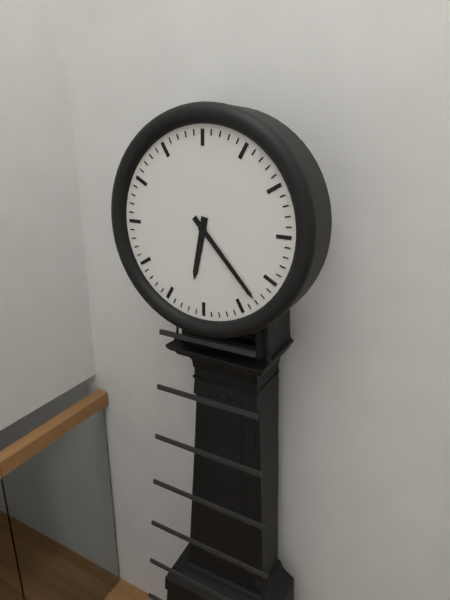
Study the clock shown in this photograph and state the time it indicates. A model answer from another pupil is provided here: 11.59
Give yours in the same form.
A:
6.23
